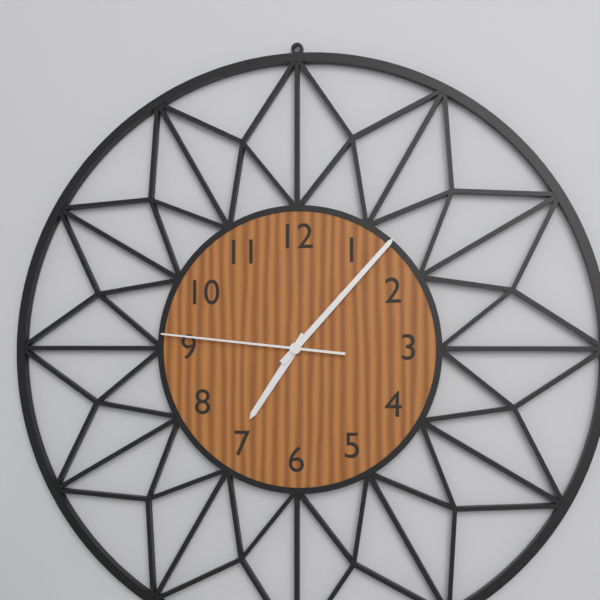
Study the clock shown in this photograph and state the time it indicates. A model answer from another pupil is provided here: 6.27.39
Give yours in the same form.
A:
7.07.46
